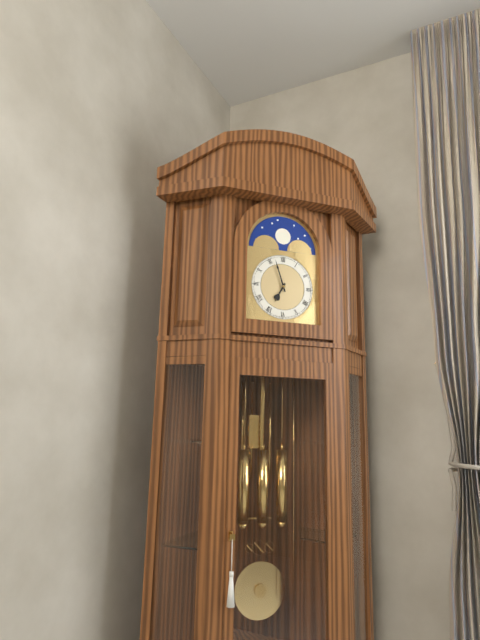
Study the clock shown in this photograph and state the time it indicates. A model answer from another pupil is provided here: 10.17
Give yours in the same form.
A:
6.57
